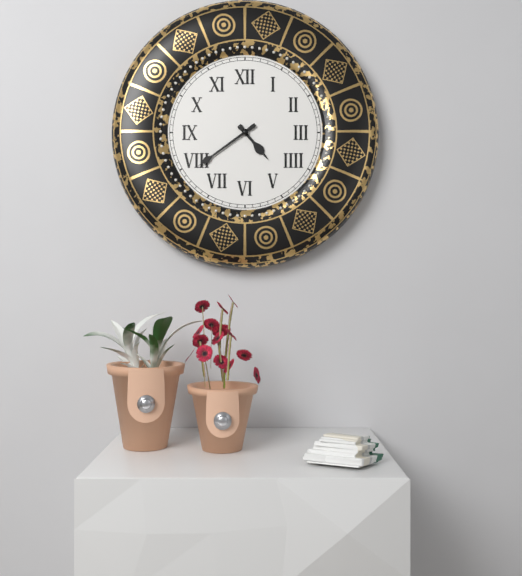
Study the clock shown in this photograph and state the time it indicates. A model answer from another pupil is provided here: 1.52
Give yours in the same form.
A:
4.39
